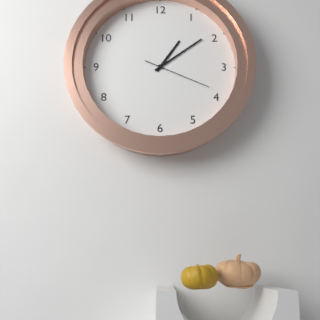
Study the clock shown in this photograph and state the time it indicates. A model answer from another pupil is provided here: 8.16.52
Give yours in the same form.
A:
1.09.19
